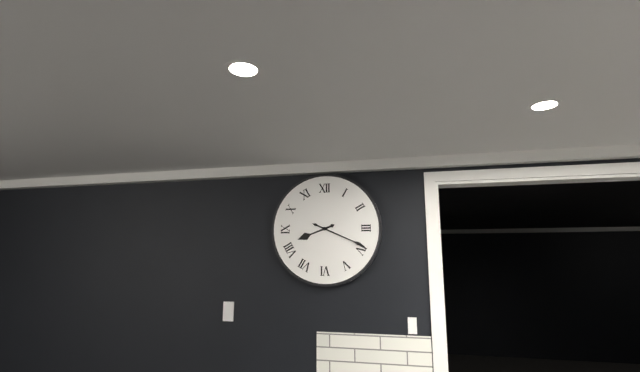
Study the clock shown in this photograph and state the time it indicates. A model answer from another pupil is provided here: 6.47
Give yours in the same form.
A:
8.19
